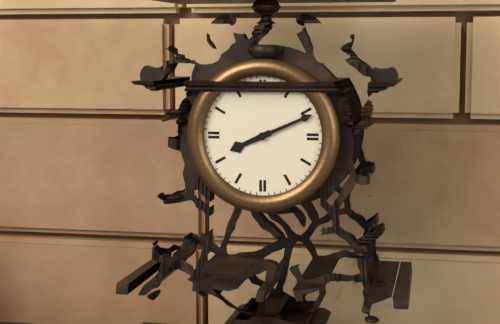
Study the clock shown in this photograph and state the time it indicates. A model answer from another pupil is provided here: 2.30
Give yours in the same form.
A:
8.11
